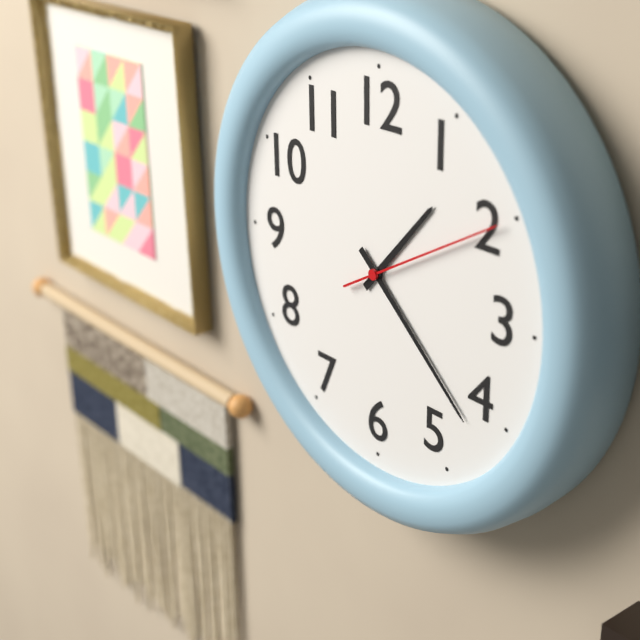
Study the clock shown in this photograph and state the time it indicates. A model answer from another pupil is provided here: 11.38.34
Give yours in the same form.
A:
1.22.10
